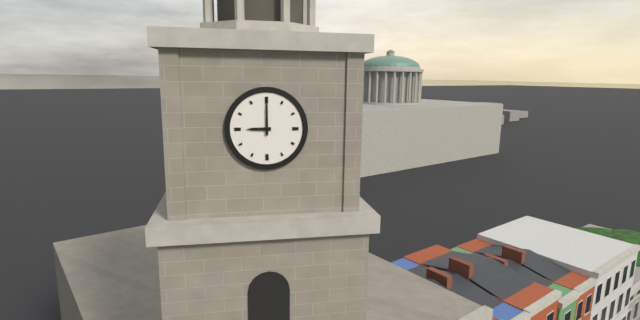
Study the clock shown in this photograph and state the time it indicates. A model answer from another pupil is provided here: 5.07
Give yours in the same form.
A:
9.00
